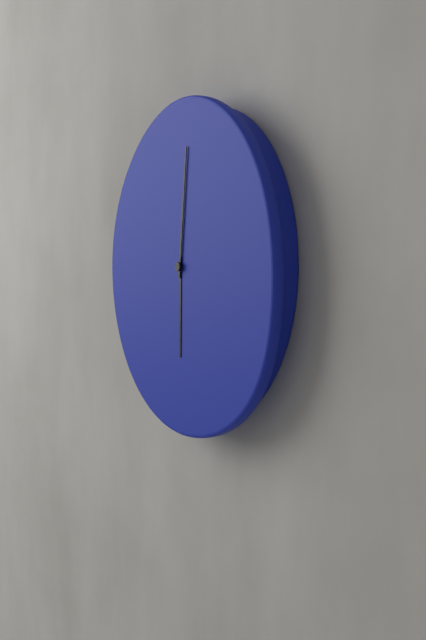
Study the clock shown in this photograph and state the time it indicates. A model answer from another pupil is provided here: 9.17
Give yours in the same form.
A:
6.01
